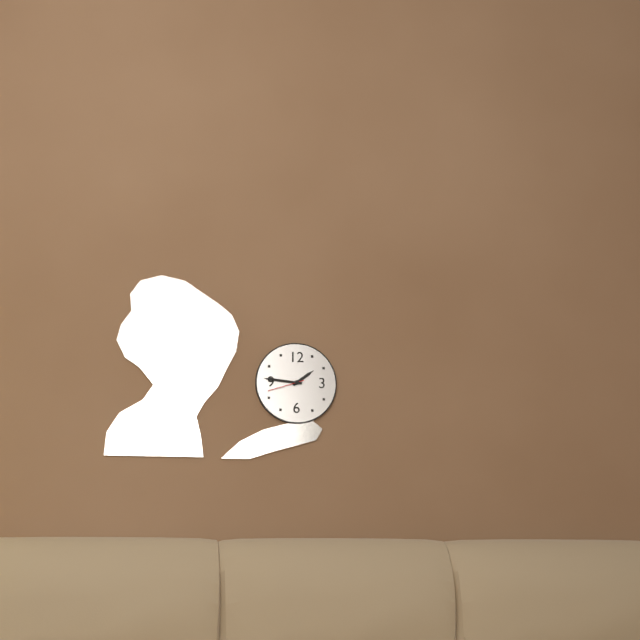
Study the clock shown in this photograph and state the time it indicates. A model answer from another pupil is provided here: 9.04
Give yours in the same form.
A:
1.46
